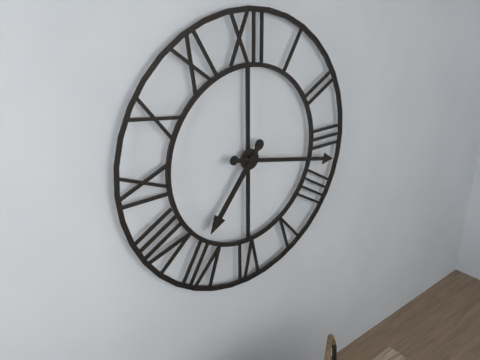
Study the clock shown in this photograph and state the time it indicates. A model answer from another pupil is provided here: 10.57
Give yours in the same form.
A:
7.17
